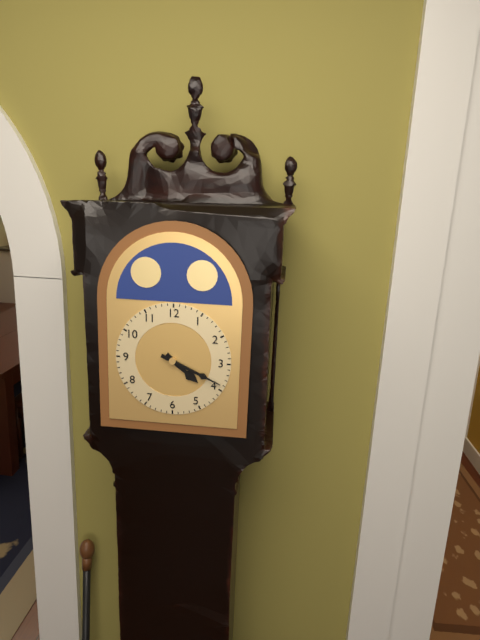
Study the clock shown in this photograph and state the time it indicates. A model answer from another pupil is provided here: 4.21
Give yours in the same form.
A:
4.19
